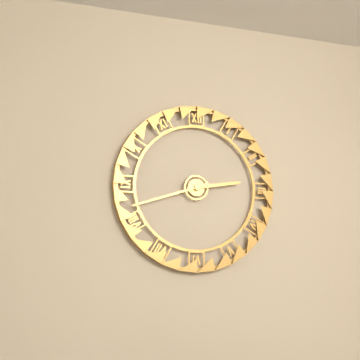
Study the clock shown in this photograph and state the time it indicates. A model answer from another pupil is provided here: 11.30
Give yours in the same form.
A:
2.42
